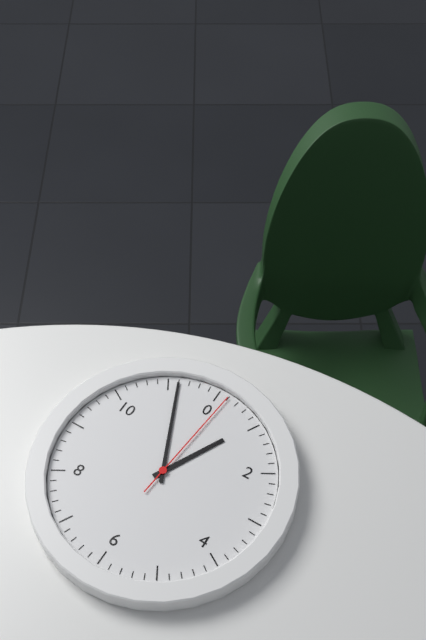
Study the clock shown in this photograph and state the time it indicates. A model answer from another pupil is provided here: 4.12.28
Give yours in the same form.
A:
12.56.01
